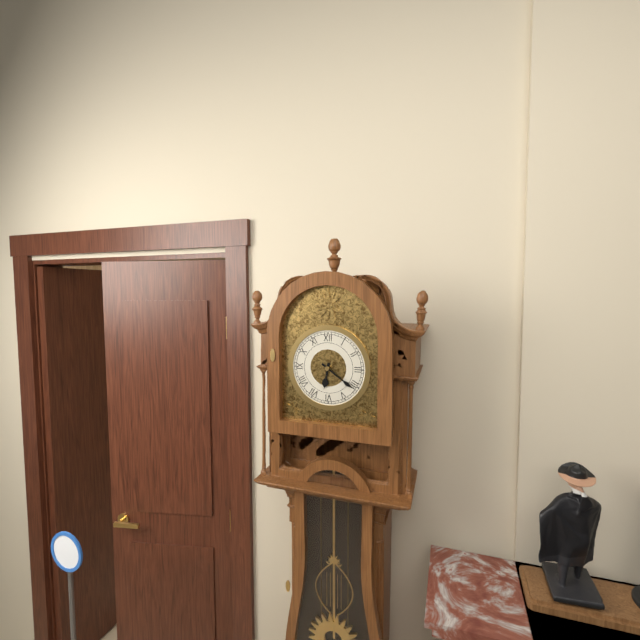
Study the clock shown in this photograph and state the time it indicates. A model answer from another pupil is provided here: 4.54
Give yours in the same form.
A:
6.21
